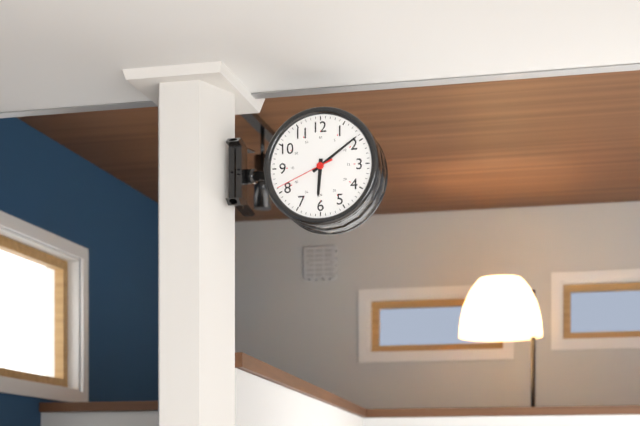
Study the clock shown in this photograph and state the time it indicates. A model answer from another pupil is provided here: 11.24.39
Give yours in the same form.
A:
6.09.41
